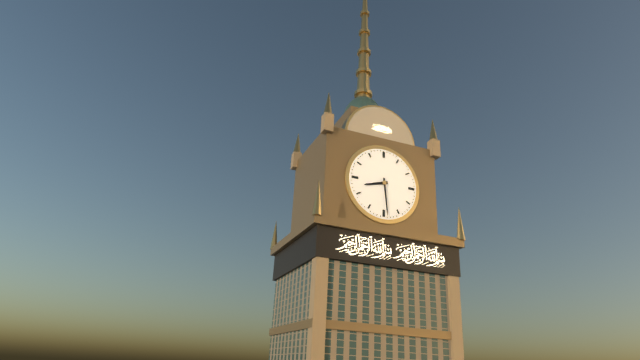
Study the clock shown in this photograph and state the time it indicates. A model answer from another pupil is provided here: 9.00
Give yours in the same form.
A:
8.29
